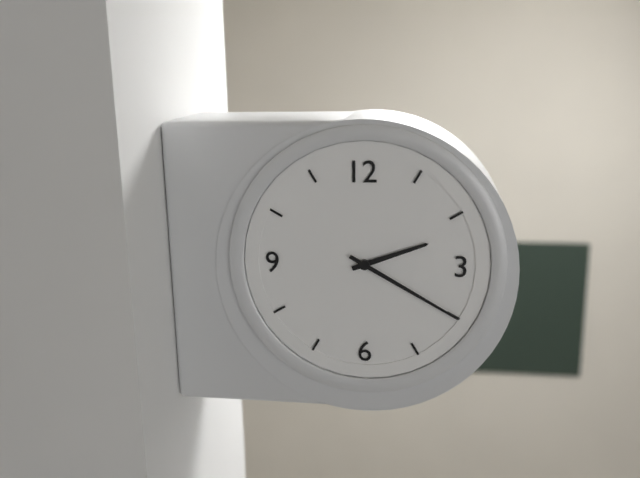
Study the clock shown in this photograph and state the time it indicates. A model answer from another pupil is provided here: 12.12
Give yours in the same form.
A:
2.20
